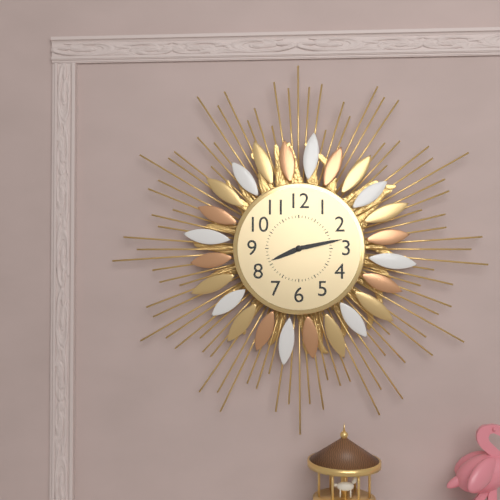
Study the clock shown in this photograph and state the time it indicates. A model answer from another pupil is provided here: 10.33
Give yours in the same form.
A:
8.13
